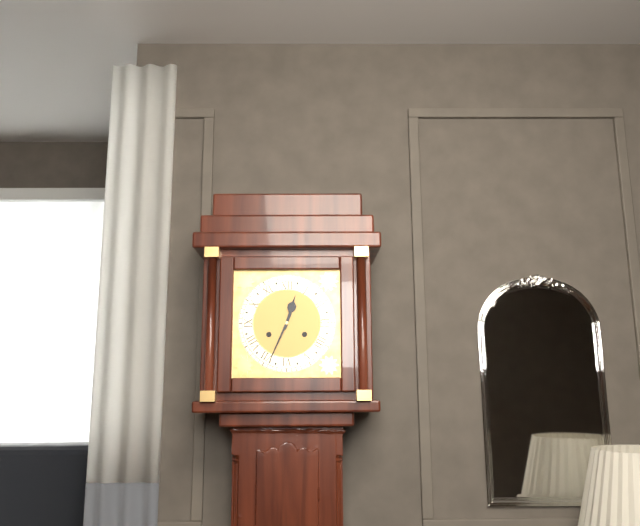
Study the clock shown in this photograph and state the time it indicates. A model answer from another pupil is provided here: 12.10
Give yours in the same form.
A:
12.34
